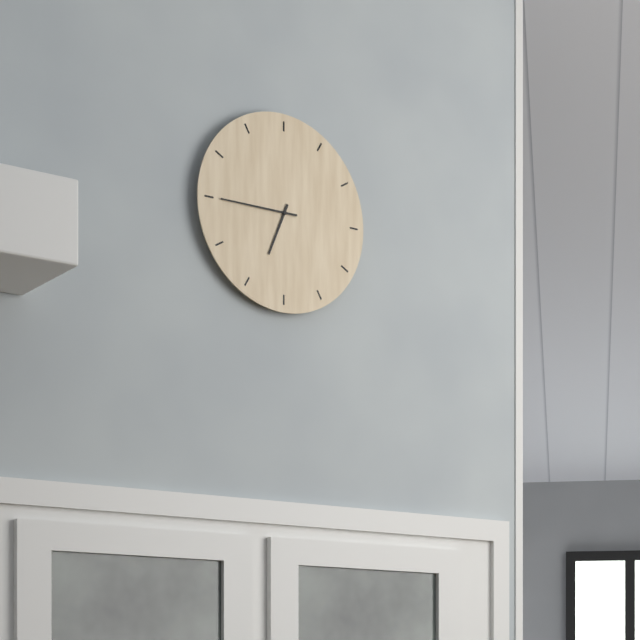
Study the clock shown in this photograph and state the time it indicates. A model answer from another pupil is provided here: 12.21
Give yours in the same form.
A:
6.45
